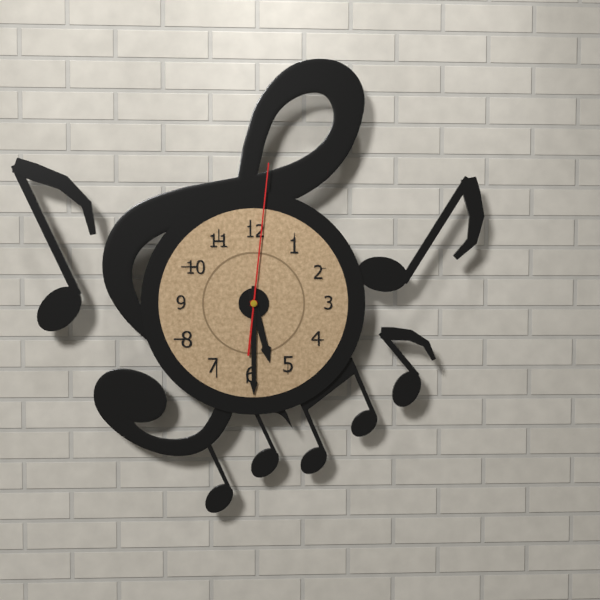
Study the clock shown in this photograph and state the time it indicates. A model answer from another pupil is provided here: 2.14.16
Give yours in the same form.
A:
5.30.01
